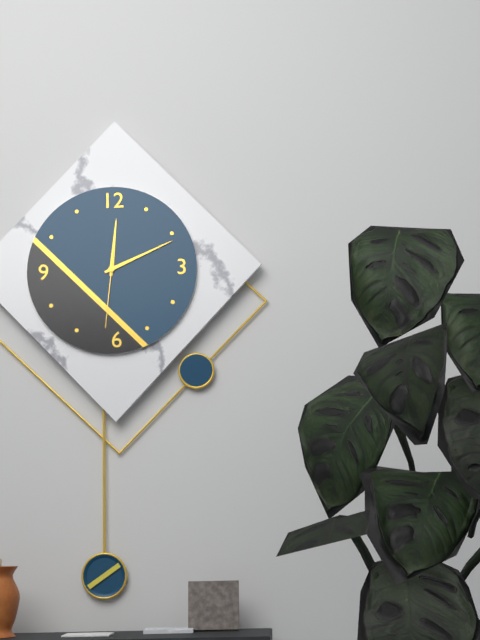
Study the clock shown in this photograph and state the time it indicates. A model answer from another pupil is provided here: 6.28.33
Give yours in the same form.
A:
12.11.31
